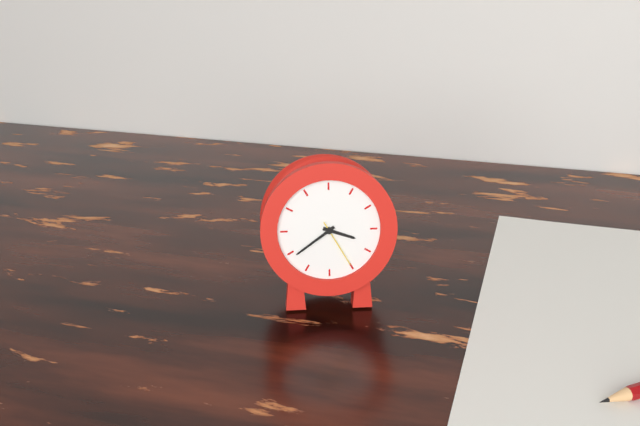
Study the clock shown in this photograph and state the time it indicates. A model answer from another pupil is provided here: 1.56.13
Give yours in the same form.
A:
3.39.25
